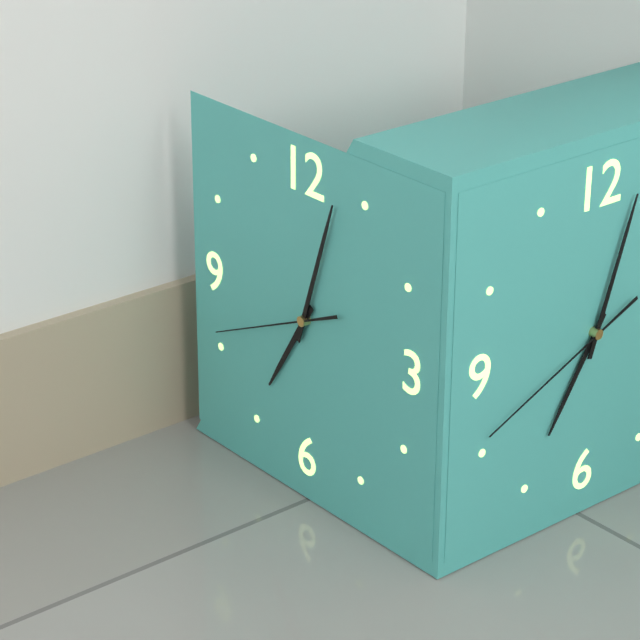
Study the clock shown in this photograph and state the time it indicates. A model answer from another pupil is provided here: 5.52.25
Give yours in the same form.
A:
7.03.41
